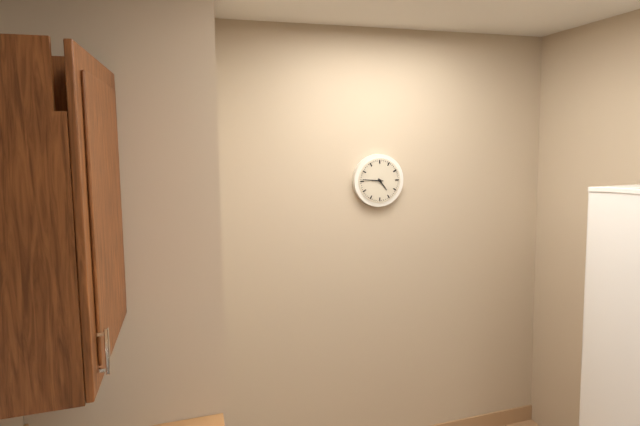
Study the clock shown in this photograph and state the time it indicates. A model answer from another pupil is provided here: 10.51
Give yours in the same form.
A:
4.46
